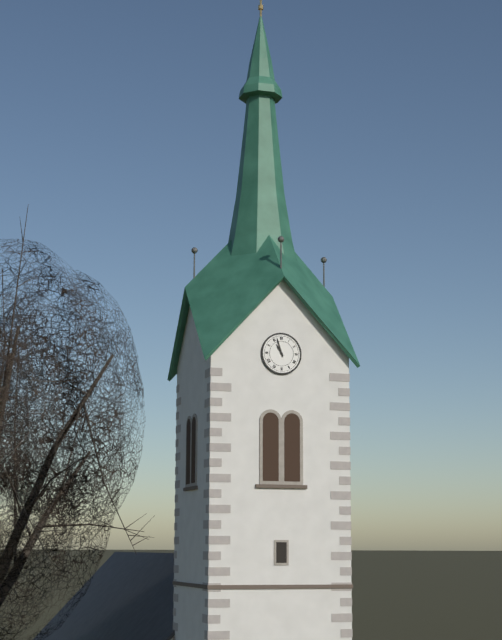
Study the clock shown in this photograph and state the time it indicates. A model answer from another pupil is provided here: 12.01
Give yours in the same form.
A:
10.57
